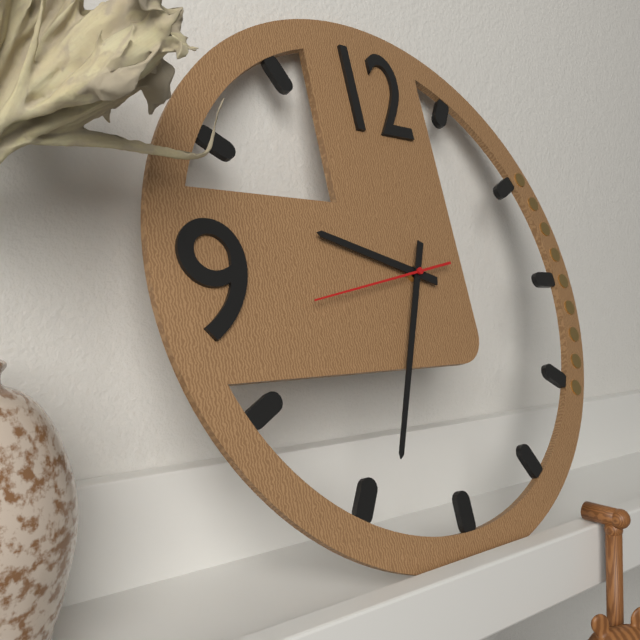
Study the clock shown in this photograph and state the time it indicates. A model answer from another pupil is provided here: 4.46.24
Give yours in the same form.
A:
9.34.43
